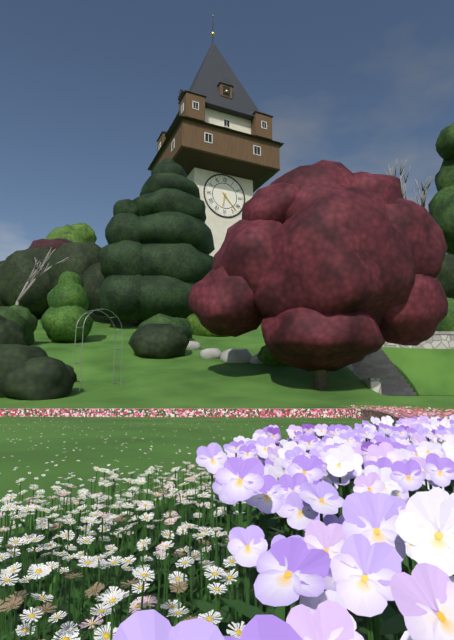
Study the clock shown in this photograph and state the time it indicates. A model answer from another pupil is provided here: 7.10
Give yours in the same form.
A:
6.23
